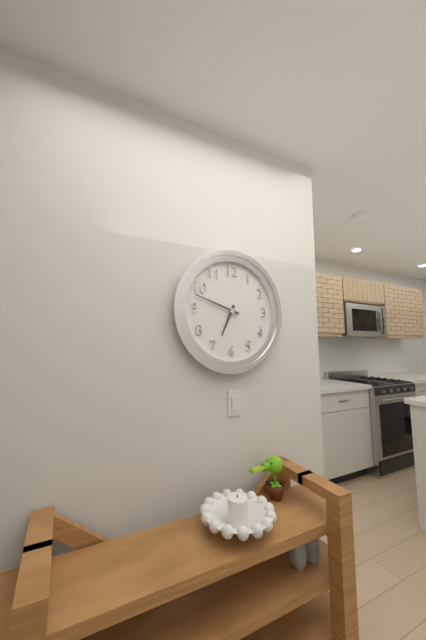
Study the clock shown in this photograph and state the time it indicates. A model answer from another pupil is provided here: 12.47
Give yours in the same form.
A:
6.48
